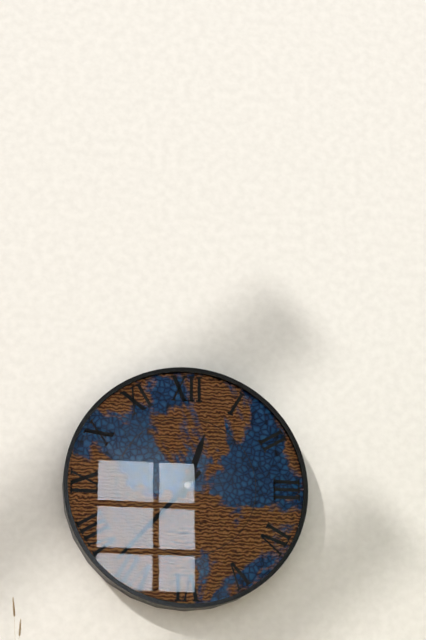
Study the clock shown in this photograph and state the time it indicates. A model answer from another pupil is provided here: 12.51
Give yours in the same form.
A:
12.37
